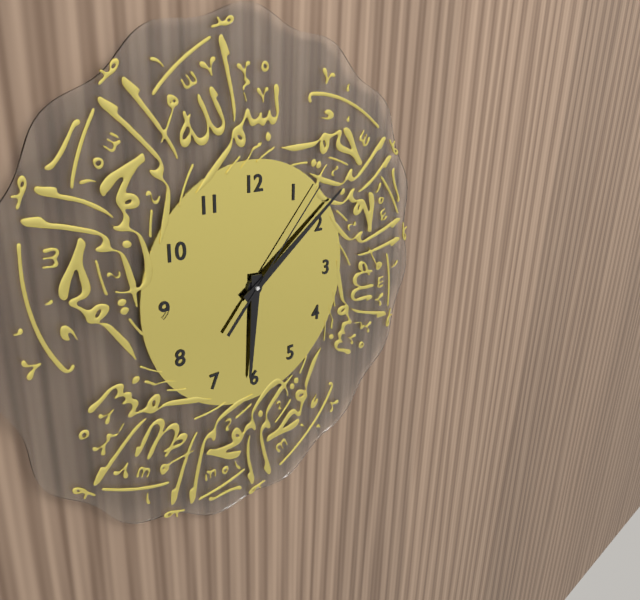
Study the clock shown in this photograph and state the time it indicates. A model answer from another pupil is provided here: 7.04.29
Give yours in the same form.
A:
6.09.07
